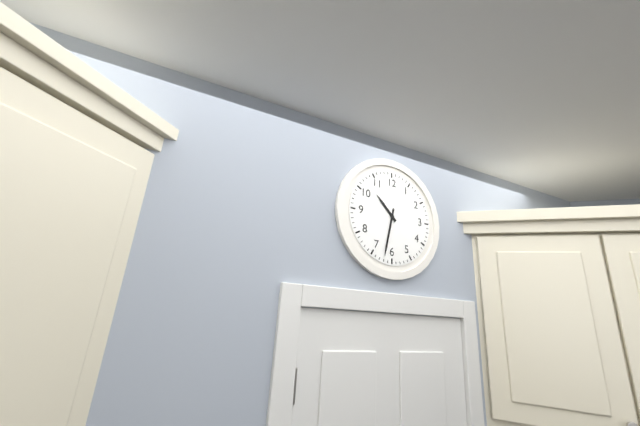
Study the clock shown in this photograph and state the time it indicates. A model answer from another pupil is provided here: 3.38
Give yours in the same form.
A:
10.32
